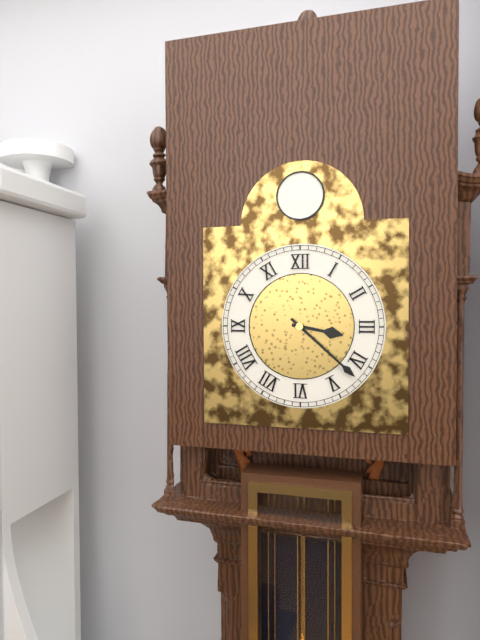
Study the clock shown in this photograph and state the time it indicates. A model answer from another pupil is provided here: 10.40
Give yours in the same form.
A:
3.22
